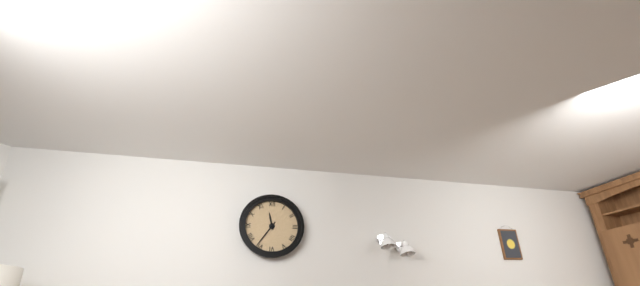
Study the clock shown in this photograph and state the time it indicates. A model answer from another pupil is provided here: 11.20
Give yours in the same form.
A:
11.36
